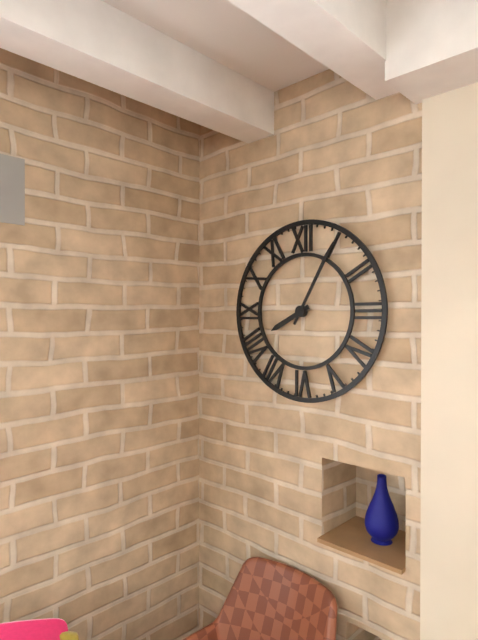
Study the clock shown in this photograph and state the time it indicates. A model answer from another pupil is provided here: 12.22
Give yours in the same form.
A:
8.05
